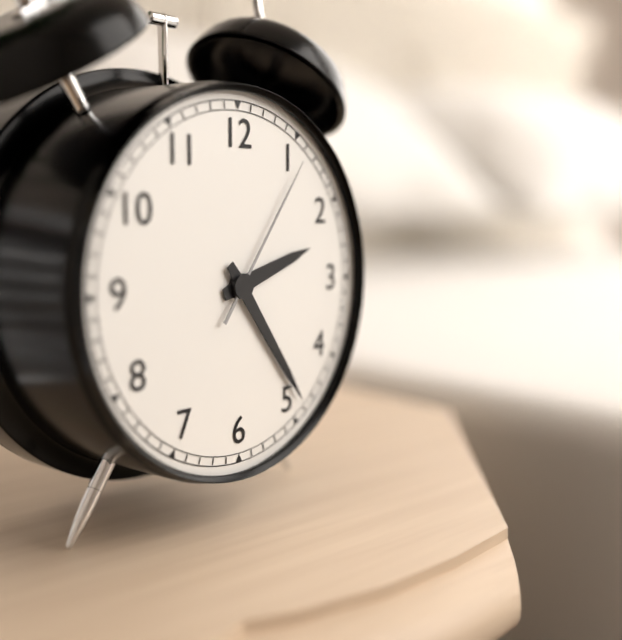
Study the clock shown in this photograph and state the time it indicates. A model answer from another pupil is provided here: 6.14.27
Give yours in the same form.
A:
2.24.06
